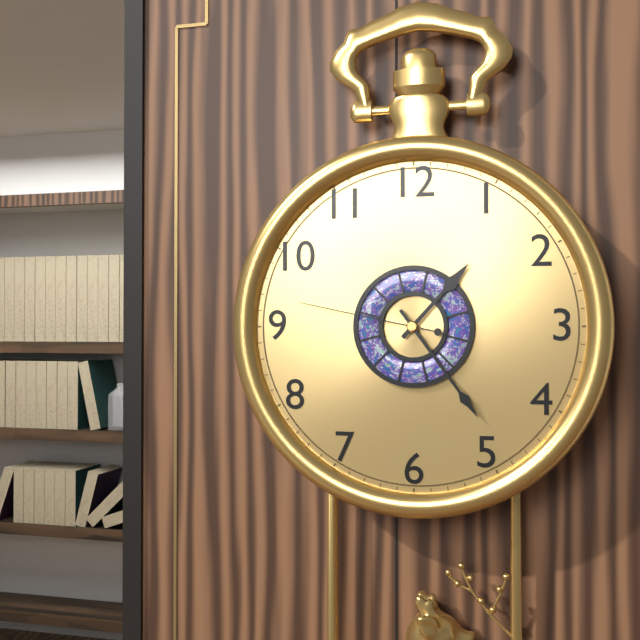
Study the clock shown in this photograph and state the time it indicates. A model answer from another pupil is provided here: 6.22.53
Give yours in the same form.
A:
1.24.47
